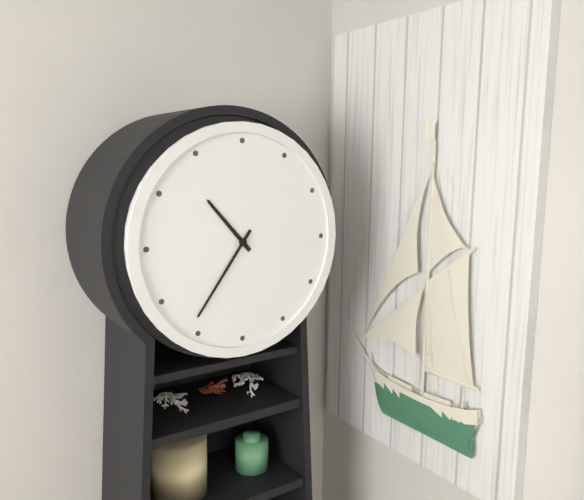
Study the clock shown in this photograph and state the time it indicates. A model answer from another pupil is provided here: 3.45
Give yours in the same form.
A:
10.36
